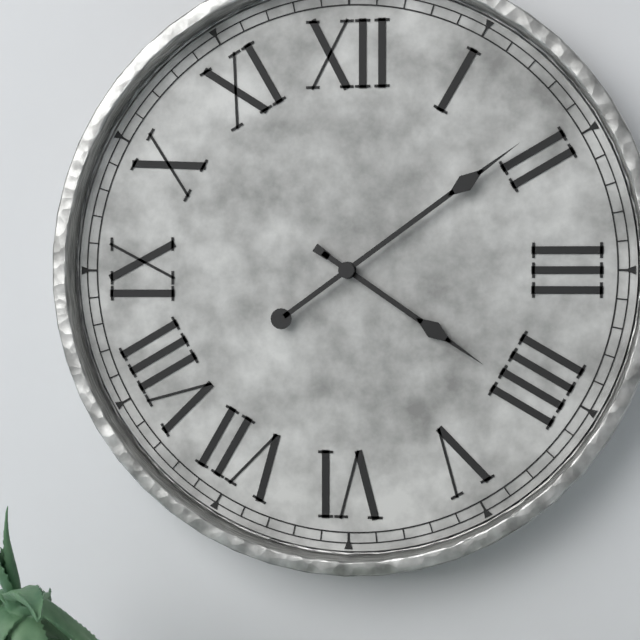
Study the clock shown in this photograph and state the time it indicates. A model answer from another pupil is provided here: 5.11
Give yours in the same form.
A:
4.09
